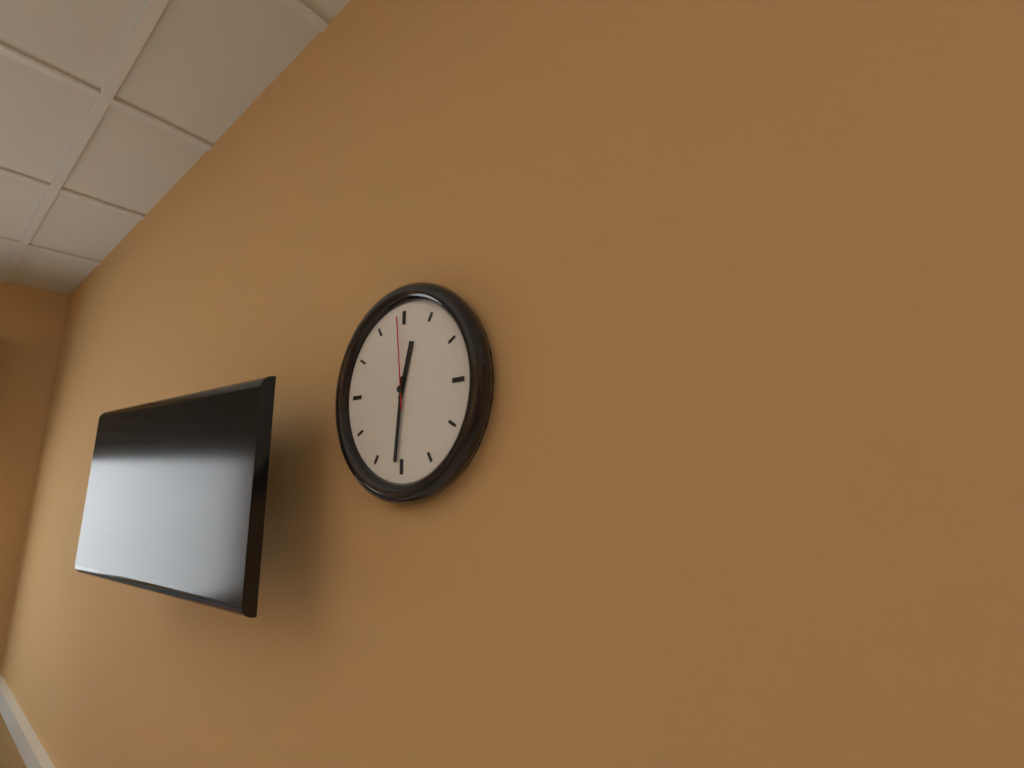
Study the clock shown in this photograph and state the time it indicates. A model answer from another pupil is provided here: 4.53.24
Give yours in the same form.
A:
12.31.59
